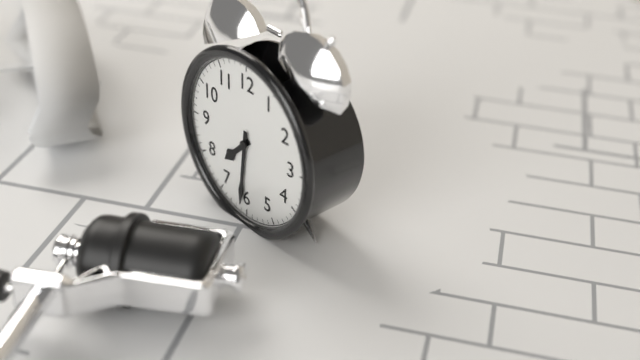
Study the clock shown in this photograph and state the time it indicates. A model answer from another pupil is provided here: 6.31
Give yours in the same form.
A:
7.31
